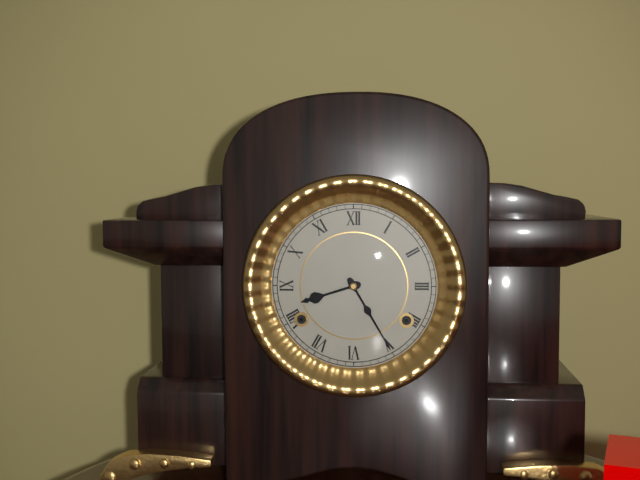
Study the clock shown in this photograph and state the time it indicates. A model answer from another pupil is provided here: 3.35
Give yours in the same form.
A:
8.25
